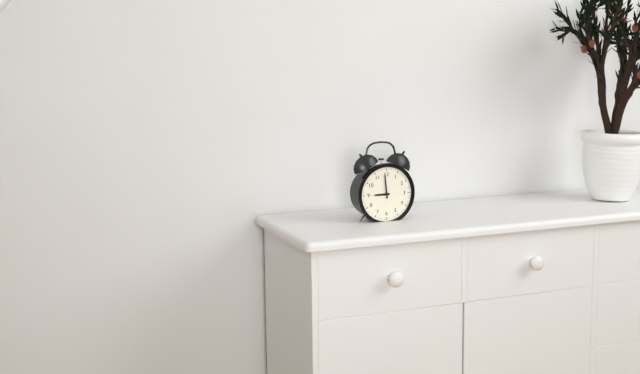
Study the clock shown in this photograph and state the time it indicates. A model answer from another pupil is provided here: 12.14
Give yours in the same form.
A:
8.59
